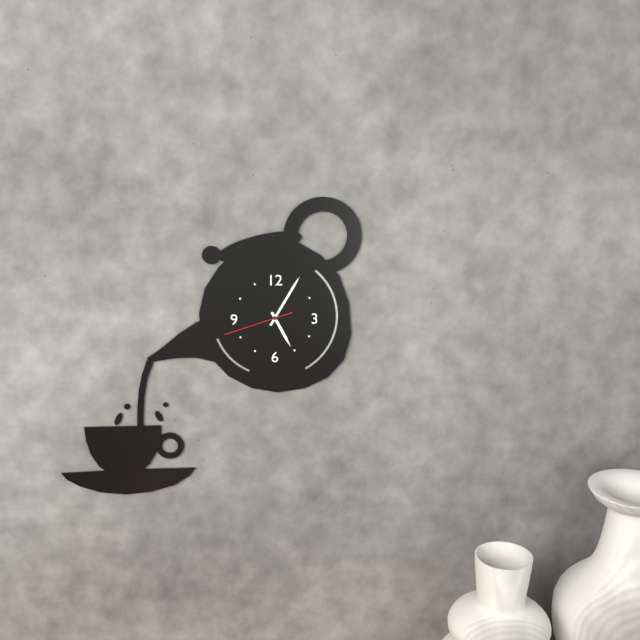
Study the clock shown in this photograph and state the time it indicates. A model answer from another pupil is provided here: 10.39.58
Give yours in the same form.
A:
5.05.42
